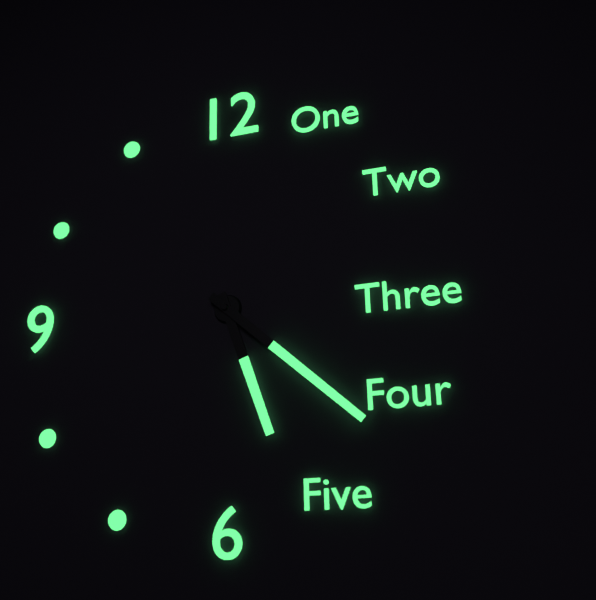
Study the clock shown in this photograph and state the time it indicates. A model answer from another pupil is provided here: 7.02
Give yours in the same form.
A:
5.22
